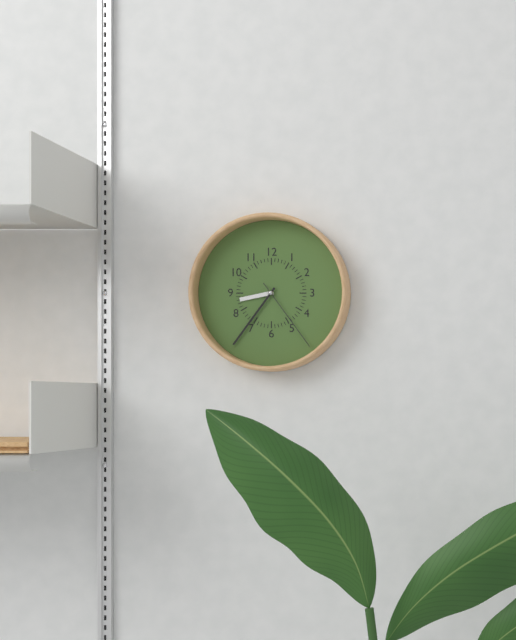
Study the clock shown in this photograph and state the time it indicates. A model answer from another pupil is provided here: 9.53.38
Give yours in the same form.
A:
8.36.24
